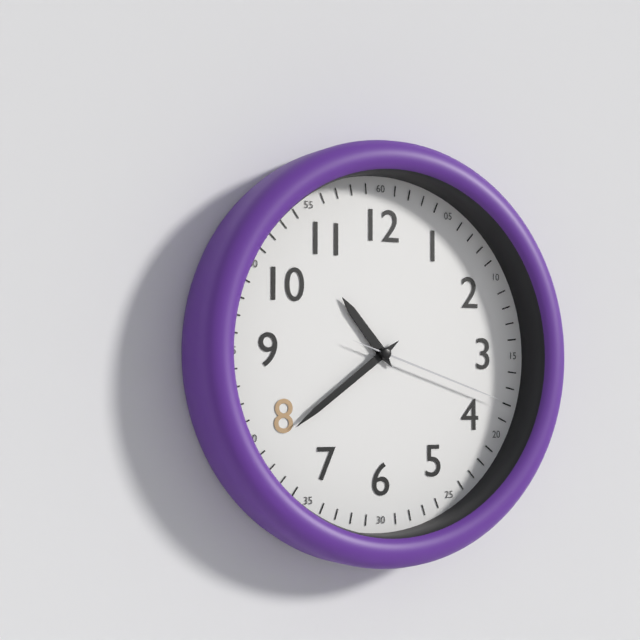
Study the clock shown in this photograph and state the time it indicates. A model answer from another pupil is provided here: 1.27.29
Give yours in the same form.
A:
10.39.18
